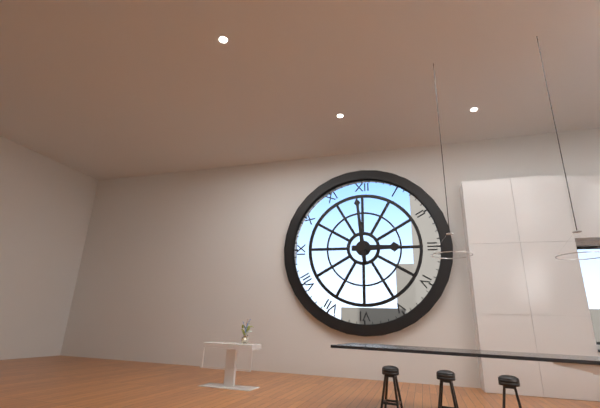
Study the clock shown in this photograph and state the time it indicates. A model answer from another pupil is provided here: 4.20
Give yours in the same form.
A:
2.59
